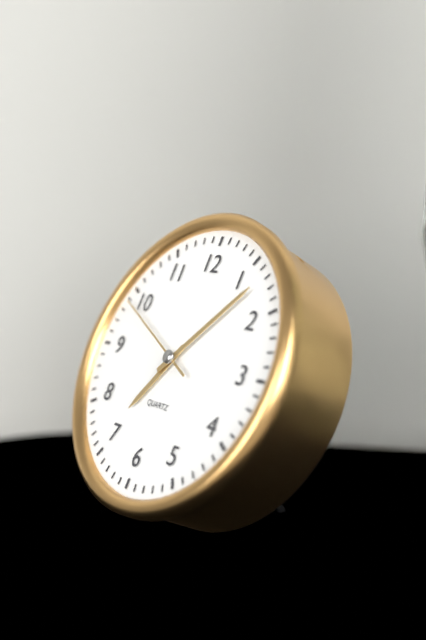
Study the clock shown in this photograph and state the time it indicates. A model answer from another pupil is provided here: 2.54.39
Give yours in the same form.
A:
7.07.49
